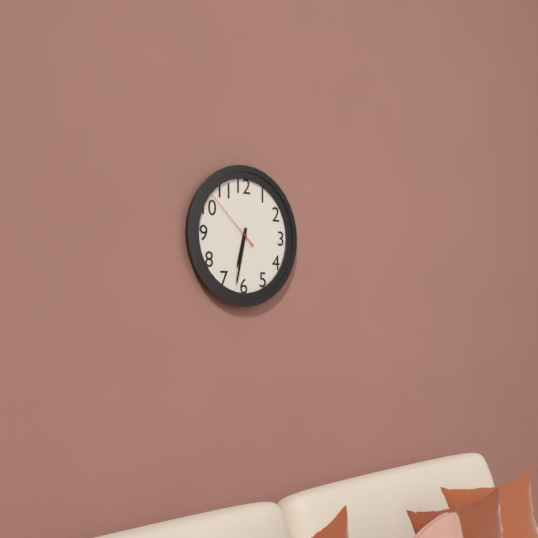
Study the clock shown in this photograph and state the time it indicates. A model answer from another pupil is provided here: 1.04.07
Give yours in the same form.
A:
6.32.52
